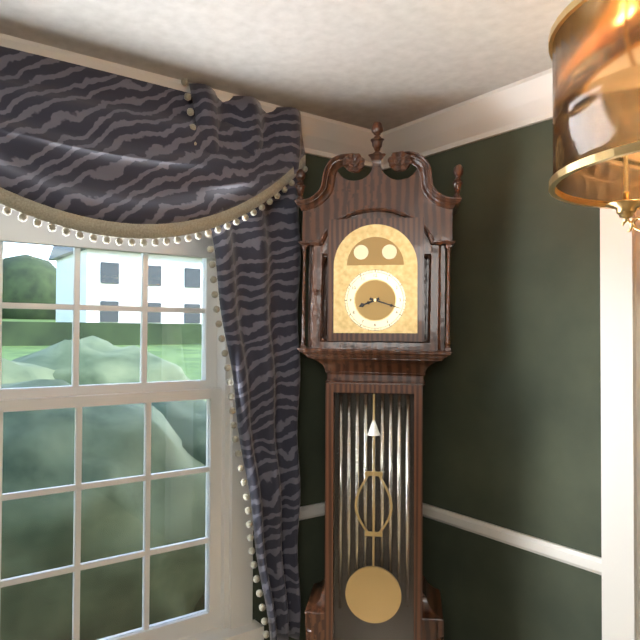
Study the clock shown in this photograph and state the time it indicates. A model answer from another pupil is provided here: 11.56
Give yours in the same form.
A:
8.18
